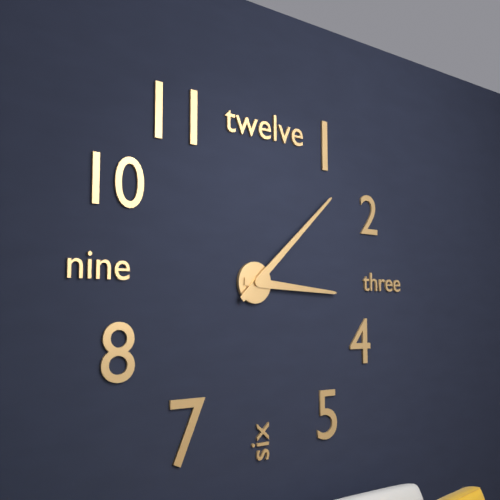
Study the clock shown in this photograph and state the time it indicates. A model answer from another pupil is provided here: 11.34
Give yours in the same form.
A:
3.08
